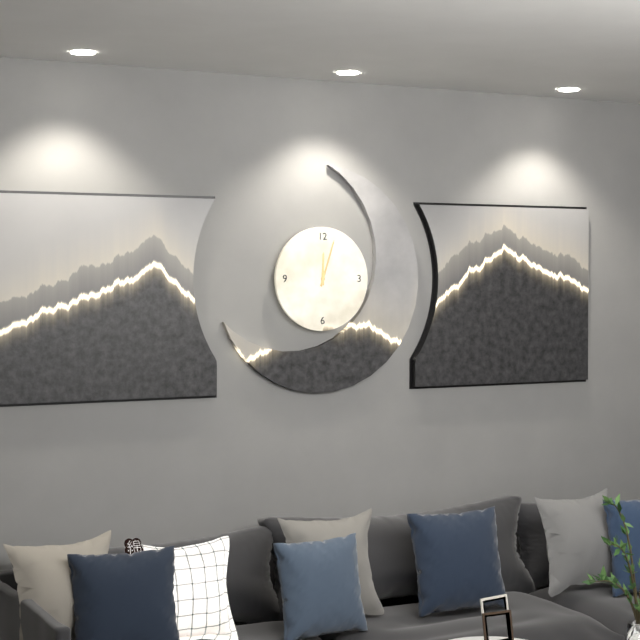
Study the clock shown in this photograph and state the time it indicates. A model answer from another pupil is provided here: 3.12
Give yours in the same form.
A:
12.03
